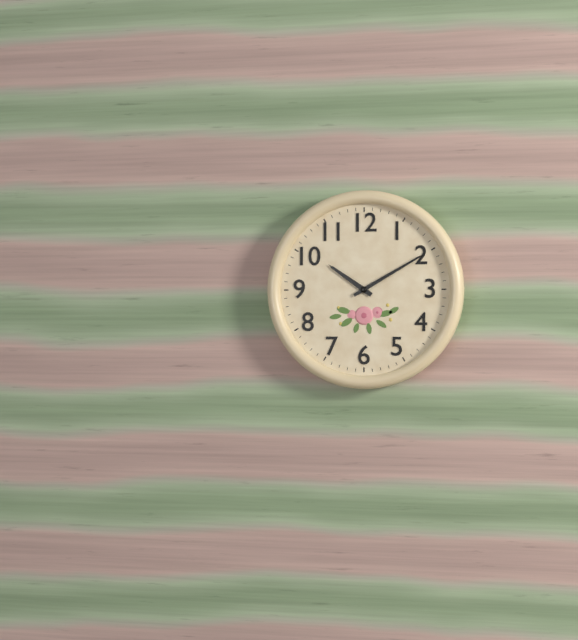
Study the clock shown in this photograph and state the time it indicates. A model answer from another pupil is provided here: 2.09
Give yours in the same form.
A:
10.10
